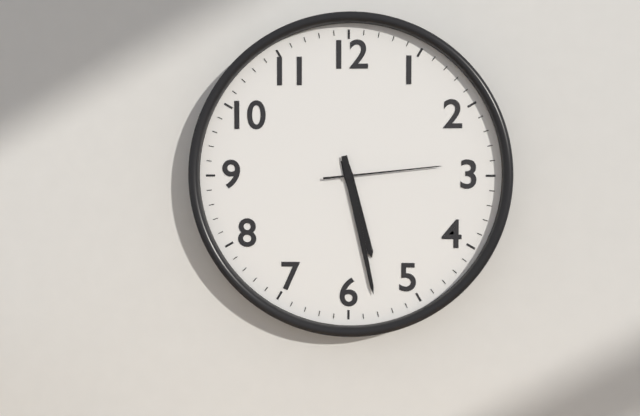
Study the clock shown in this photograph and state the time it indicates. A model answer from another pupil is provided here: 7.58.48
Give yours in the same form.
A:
5.28.14
